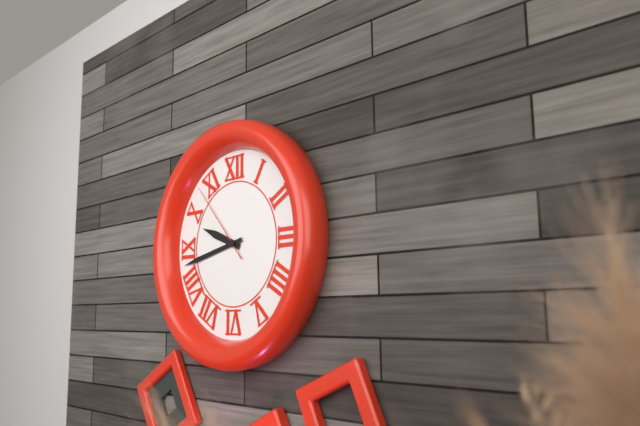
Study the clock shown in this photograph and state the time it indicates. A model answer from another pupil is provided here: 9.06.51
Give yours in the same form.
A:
9.43.53
